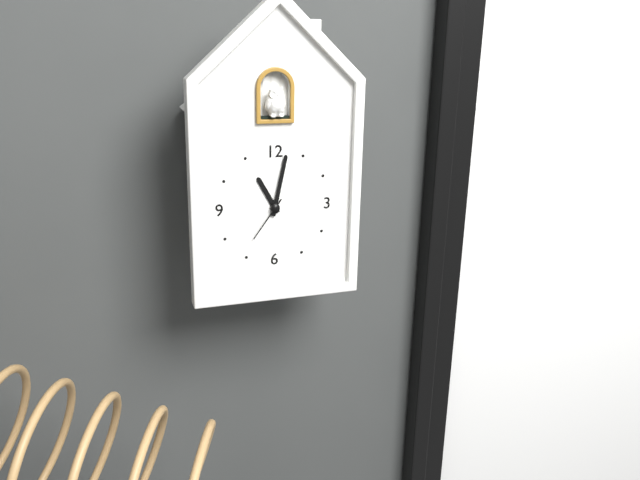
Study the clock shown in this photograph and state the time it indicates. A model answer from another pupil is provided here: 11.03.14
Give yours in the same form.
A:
11.02.36
